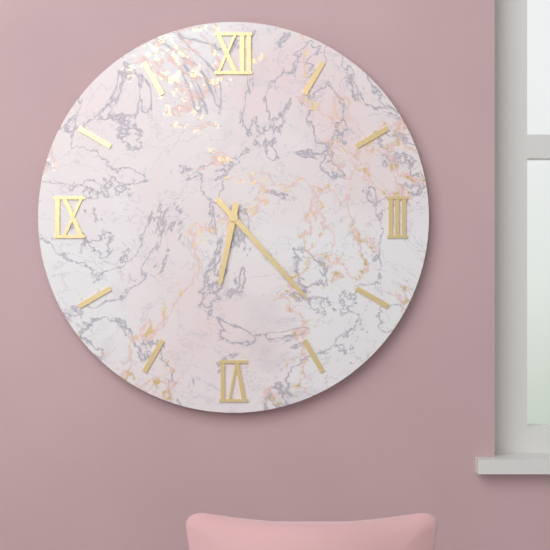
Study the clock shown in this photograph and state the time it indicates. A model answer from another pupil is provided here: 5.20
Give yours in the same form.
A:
6.23
